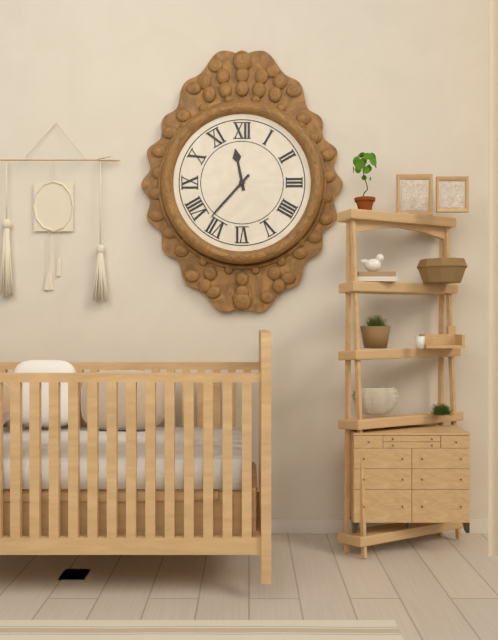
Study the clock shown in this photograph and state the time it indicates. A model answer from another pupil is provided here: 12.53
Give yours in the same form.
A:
11.37
